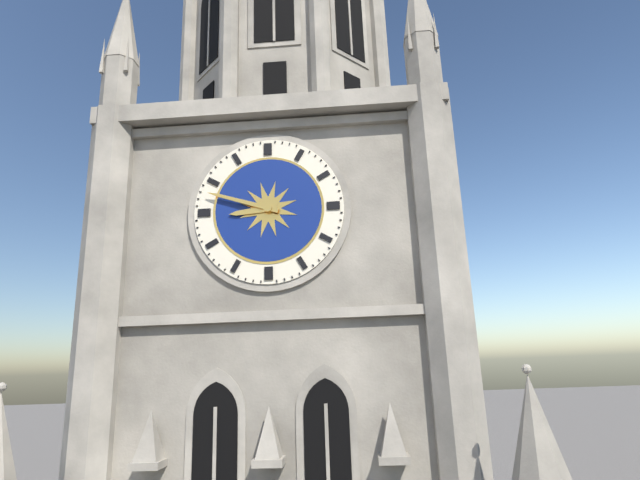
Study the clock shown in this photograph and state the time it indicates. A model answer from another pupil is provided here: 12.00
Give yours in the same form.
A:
8.48
